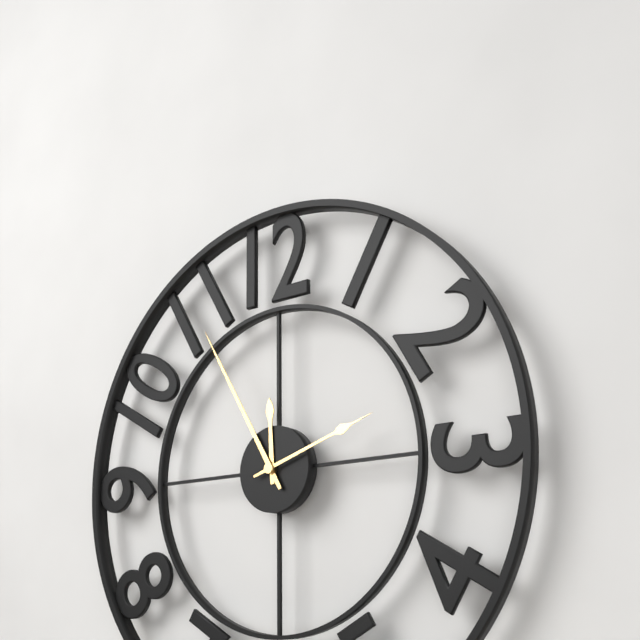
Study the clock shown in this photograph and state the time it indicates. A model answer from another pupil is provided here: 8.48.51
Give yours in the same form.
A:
11.55.12
